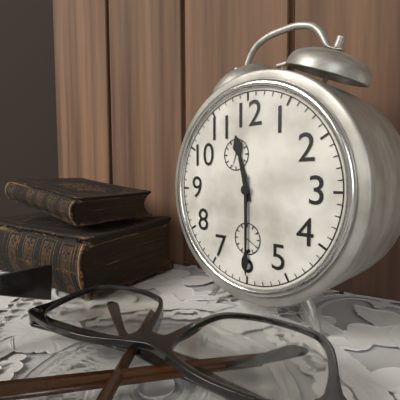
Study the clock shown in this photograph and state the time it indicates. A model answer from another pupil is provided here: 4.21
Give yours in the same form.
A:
11.30
